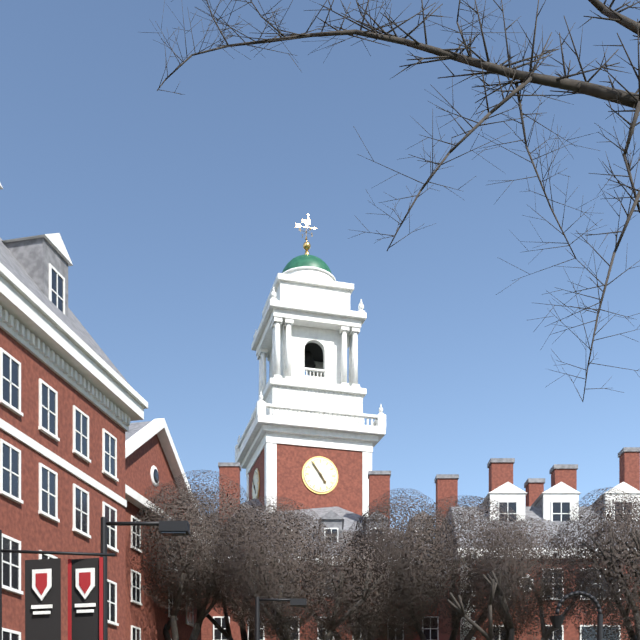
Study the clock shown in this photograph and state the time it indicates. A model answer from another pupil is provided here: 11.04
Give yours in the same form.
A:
4.54
